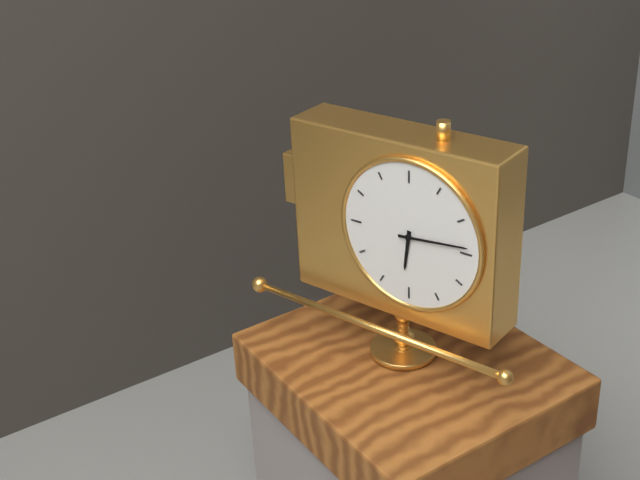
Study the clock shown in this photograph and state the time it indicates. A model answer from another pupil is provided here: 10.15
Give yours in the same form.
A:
6.14
